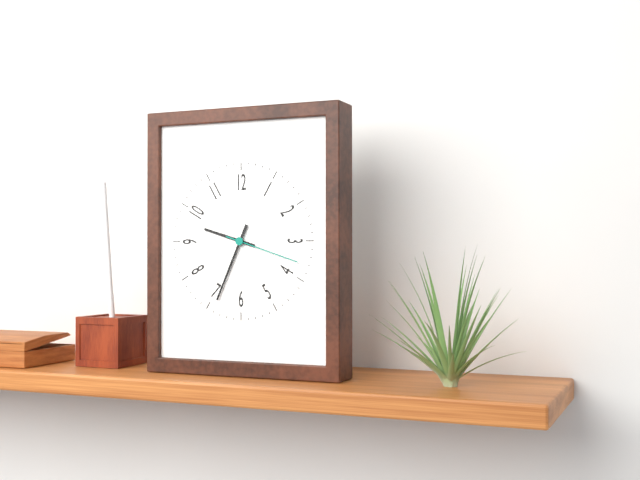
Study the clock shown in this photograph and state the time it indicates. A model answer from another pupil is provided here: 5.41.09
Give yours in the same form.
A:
9.34.18
